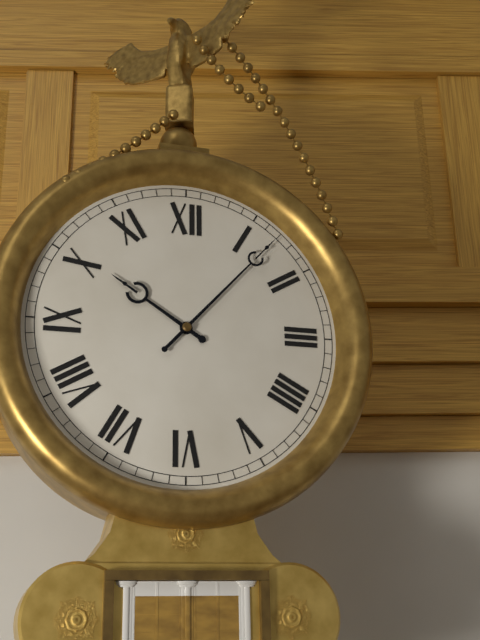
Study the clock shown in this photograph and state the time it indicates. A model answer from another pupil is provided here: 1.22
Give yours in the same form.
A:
10.07
